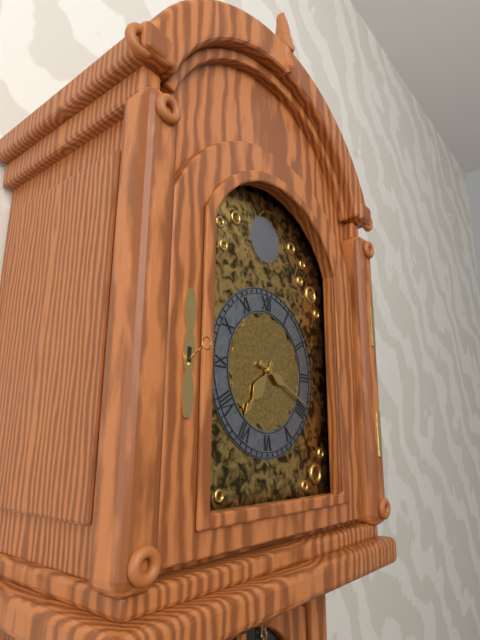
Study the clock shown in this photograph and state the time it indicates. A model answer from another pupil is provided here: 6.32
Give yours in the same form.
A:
7.19
